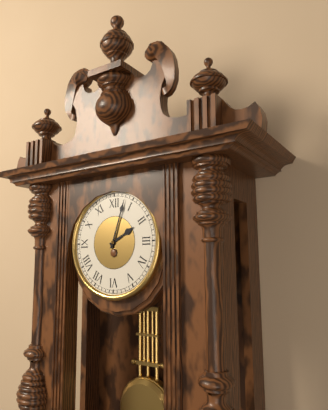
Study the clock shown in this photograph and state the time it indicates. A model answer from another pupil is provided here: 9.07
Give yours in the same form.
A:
2.03
